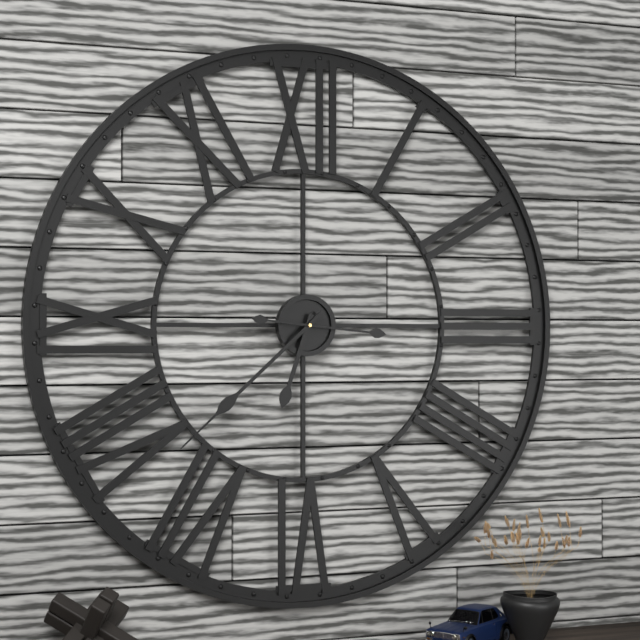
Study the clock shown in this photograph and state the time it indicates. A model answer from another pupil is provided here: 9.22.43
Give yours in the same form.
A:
6.38.16
